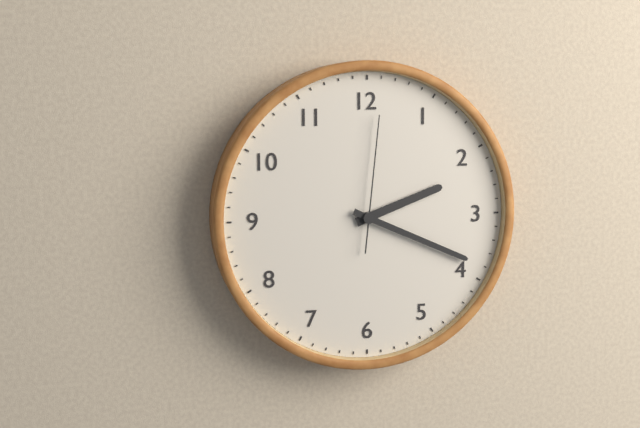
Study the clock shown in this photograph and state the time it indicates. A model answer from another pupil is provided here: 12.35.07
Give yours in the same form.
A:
2.19.01
